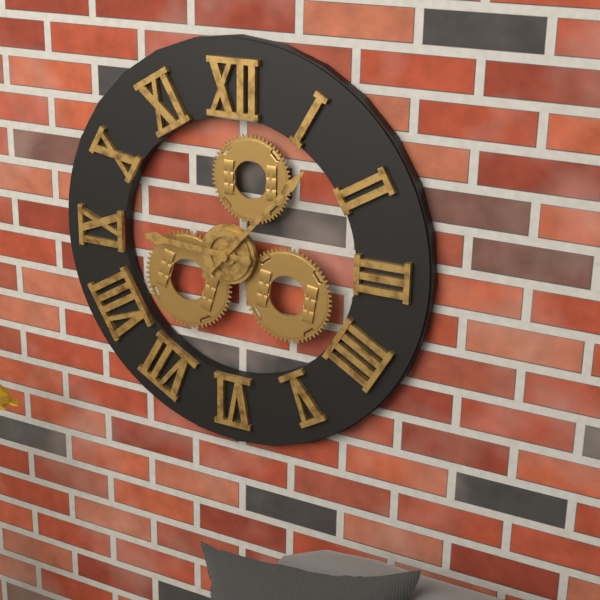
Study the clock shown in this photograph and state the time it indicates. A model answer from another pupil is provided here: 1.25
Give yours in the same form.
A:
9.07
